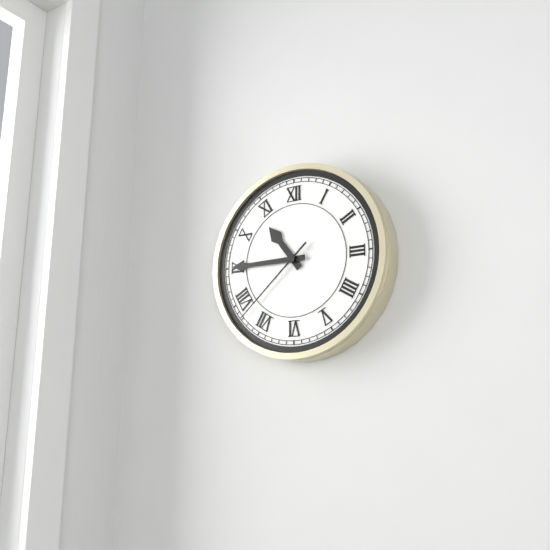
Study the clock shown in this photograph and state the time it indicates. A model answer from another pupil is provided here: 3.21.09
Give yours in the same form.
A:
10.45.38
